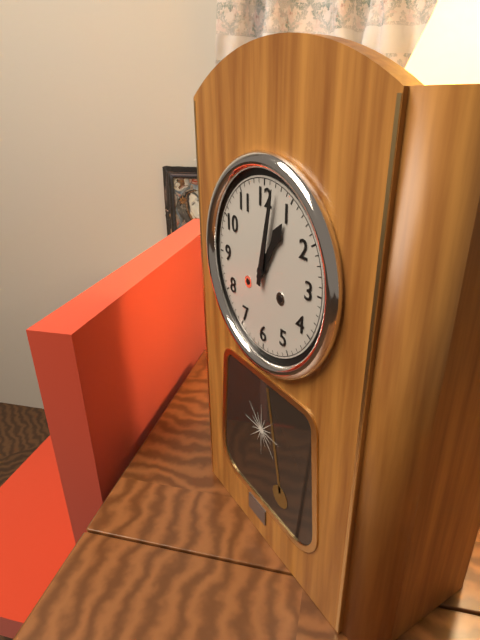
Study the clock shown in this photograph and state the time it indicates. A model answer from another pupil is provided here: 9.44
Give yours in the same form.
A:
1.02
